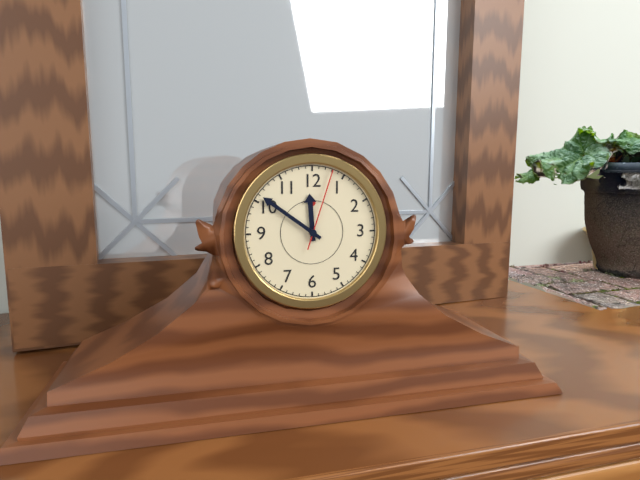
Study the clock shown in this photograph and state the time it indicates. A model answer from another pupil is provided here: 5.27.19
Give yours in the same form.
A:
11.51.03
